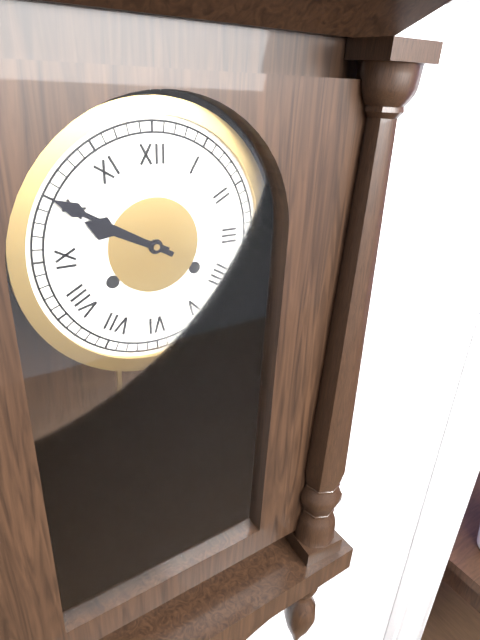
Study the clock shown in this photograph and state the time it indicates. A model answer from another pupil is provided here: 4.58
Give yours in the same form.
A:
9.50
